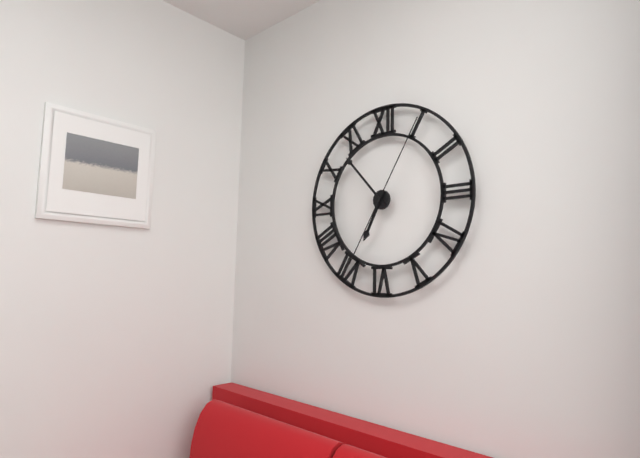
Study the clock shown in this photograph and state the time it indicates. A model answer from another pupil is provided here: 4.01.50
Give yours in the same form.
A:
6.53.05
